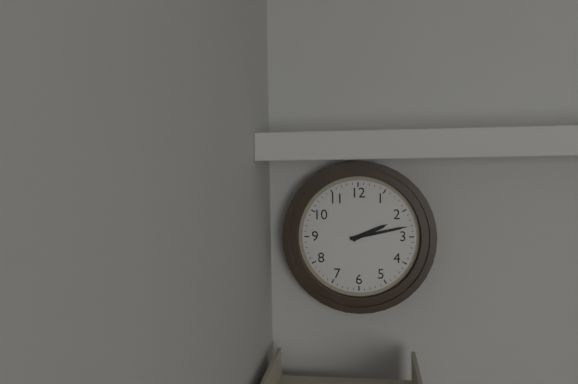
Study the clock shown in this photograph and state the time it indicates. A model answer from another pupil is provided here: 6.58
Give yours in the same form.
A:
2.13
